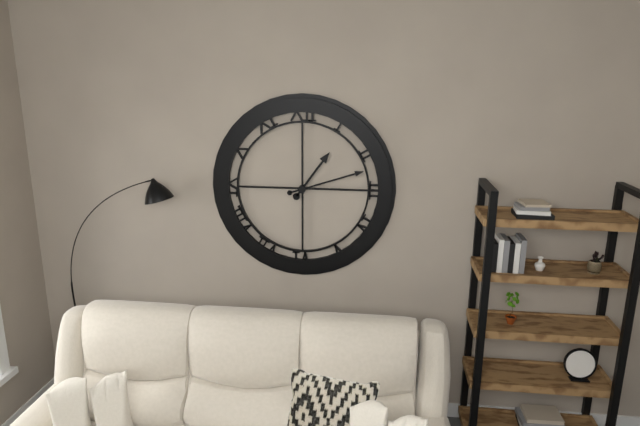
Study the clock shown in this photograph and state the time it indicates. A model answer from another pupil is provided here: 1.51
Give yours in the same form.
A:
1.12
